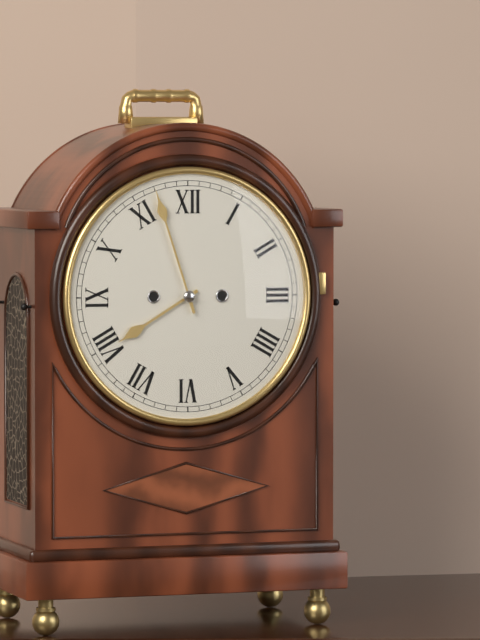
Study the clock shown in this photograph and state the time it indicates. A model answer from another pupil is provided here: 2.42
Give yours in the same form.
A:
7.57
